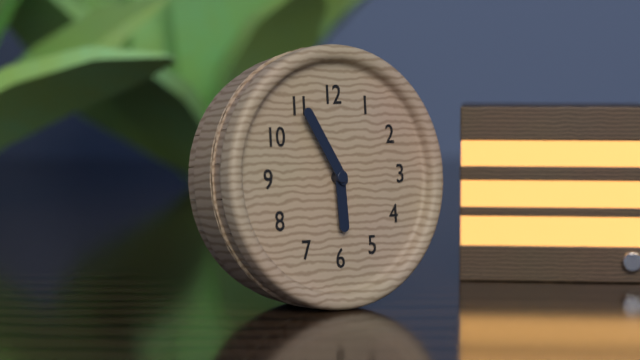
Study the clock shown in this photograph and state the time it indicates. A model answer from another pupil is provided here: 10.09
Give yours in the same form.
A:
5.55
